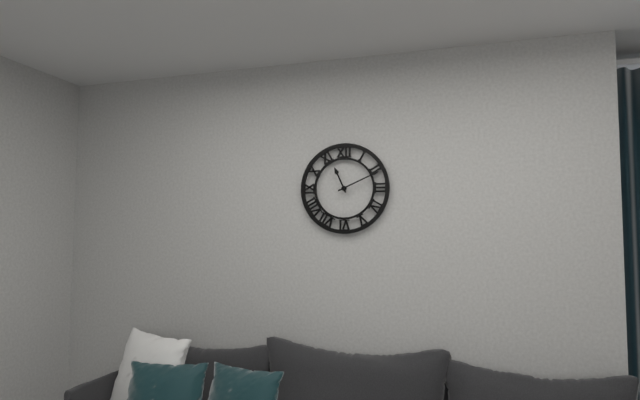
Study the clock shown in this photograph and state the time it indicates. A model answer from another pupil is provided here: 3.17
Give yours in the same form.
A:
11.11
